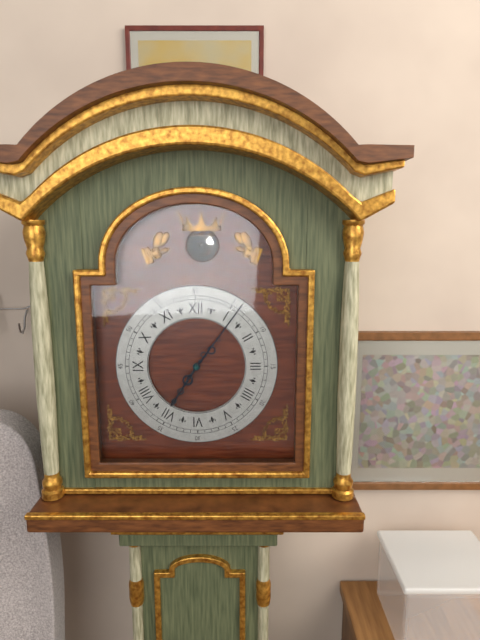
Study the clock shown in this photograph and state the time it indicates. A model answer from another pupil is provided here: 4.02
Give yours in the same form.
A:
7.06
